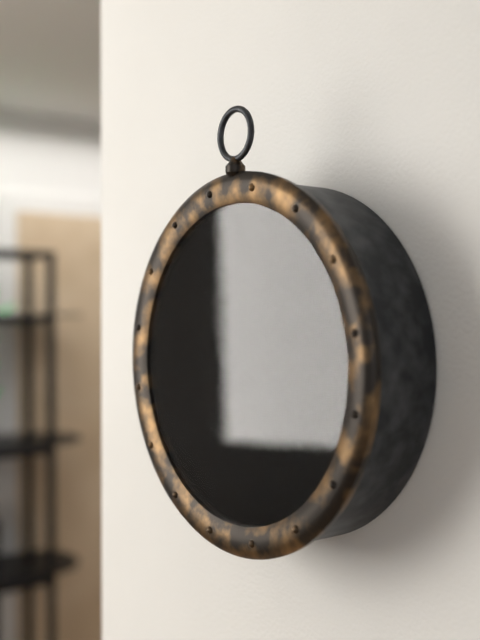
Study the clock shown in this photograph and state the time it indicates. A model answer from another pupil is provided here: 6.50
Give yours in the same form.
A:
7.38
